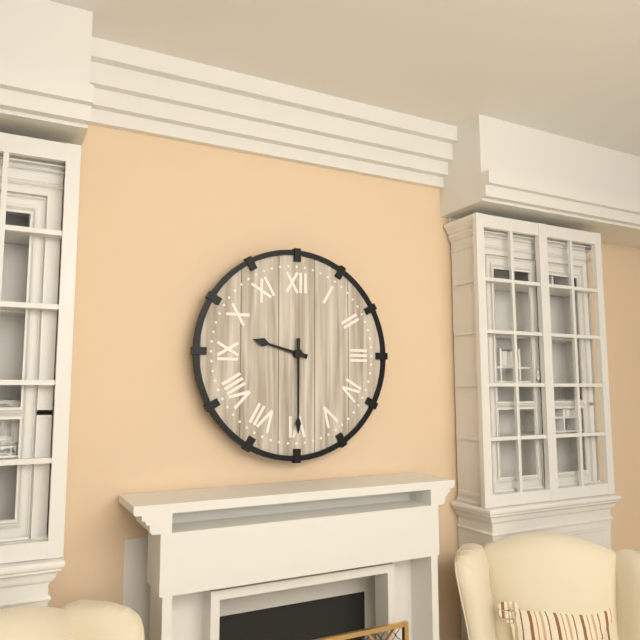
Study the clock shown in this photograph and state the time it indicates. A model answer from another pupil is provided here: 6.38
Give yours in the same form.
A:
9.30
